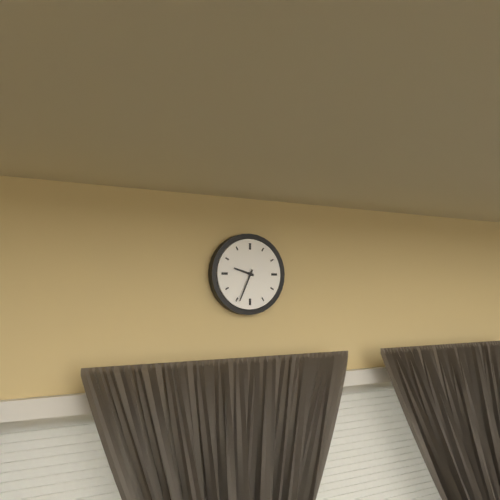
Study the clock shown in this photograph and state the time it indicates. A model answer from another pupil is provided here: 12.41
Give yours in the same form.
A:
9.34
